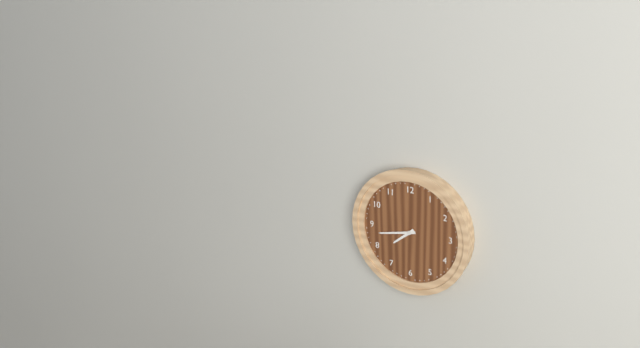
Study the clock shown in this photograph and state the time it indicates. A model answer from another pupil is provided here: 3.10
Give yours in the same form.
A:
7.43
